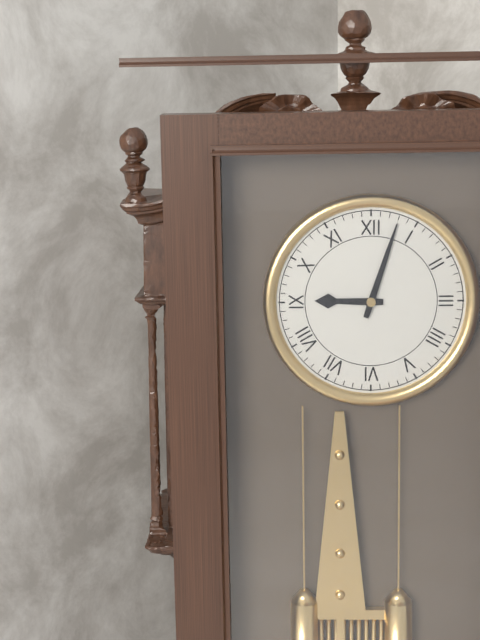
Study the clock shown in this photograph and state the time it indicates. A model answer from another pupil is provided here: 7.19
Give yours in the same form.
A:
9.03
